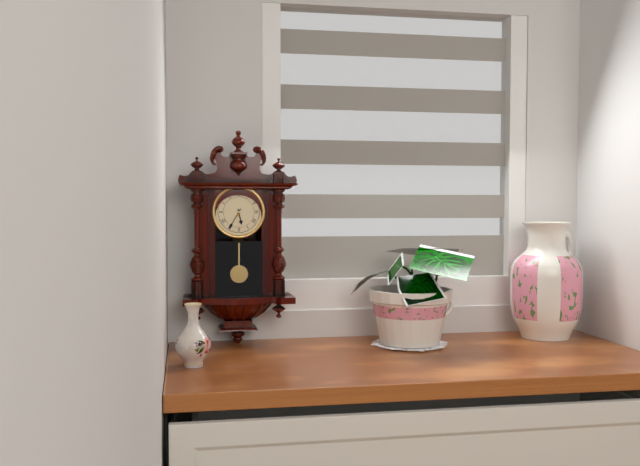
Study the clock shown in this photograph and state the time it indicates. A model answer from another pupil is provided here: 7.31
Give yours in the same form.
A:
5.35
